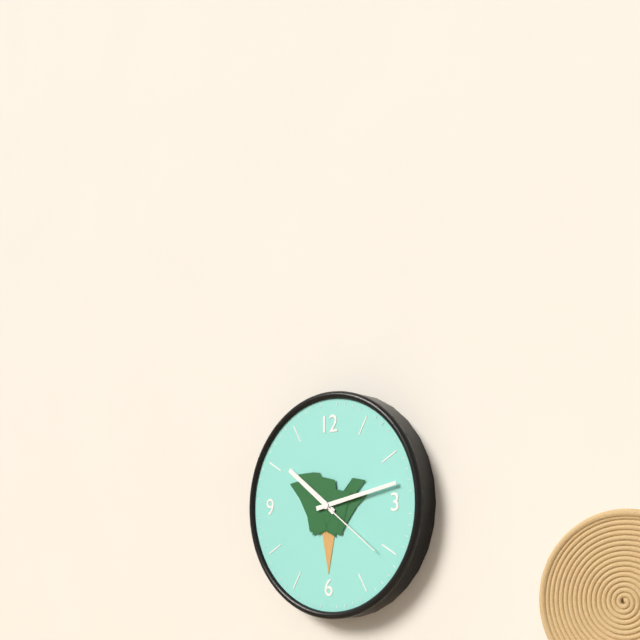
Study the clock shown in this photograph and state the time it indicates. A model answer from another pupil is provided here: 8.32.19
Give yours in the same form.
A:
10.13.21
